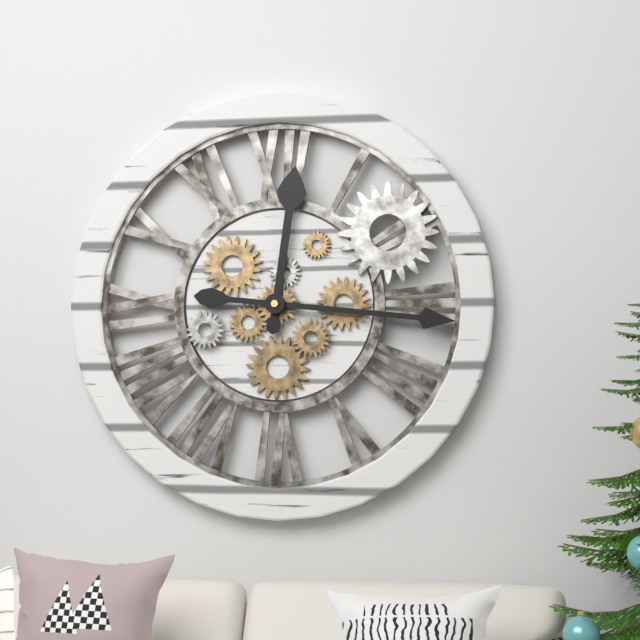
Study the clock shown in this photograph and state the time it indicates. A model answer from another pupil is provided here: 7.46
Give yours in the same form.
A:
12.16
